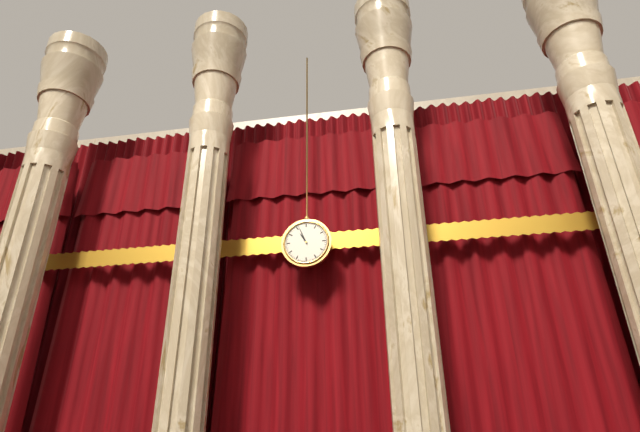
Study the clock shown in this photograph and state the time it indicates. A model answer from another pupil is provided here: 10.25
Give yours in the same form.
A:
10.56
